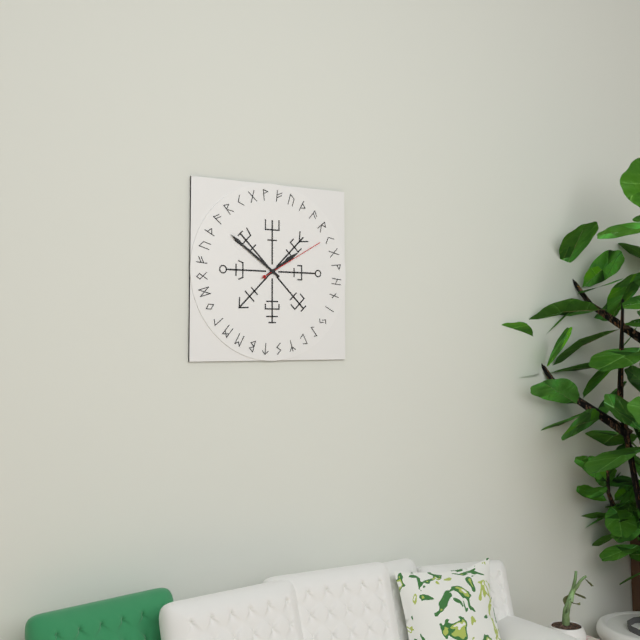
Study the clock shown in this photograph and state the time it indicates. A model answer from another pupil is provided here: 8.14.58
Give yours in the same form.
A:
1.51.10
